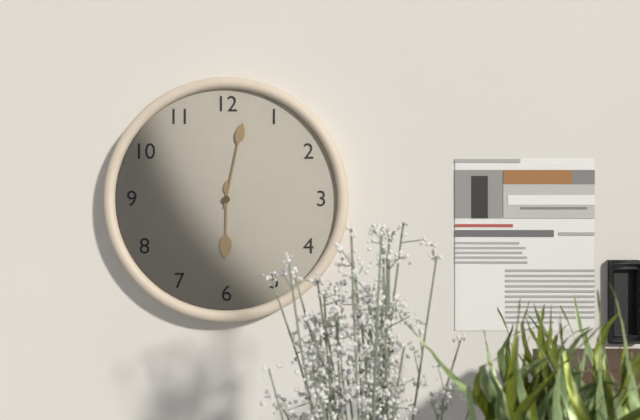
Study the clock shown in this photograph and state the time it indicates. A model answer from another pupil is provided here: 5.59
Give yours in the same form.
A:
6.02
